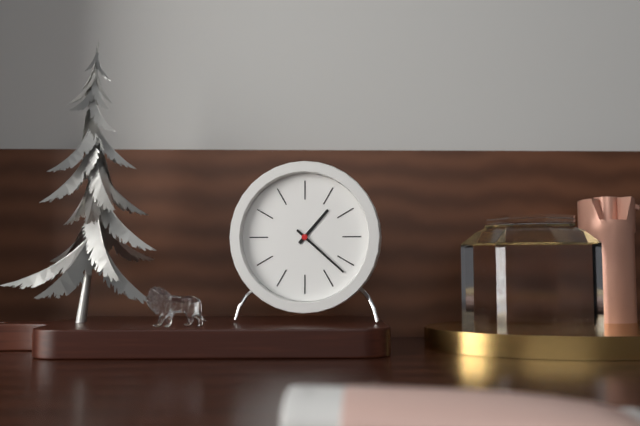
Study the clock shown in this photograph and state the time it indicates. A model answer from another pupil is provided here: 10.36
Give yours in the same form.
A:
1.22
